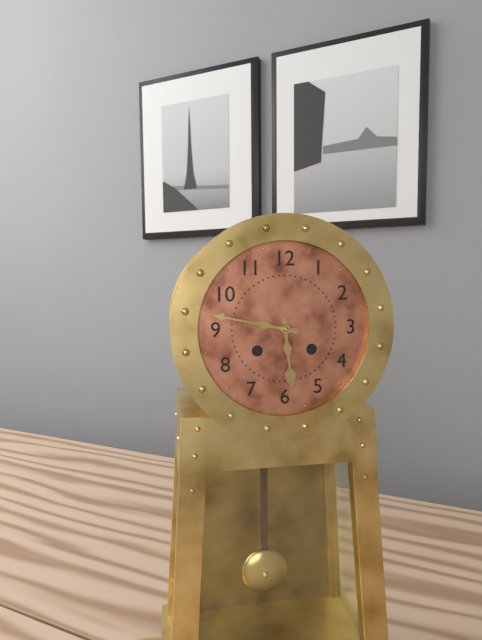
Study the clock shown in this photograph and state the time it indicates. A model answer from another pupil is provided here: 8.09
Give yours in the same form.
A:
5.47
